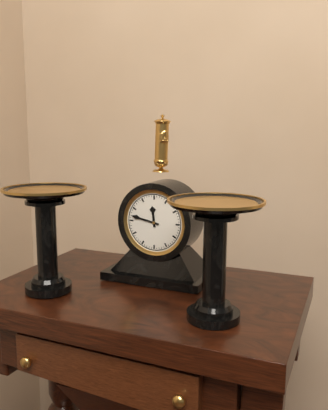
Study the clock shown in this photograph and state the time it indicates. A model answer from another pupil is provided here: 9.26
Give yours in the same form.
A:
11.47
